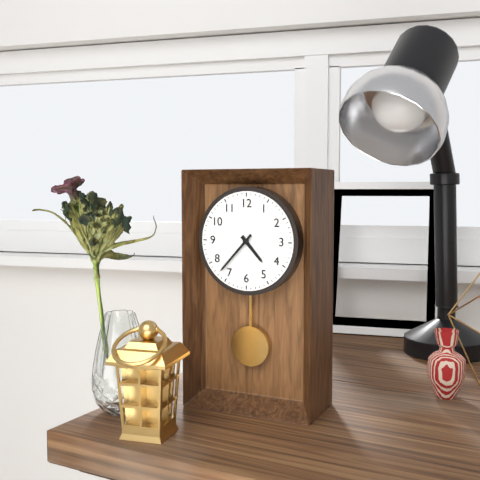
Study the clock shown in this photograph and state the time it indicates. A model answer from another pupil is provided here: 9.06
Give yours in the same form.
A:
4.37
